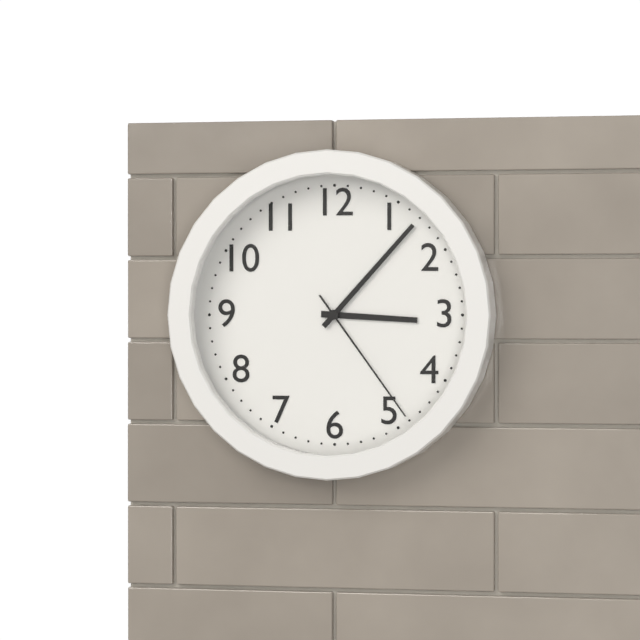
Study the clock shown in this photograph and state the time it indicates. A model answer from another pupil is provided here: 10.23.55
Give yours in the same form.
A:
3.07.24
